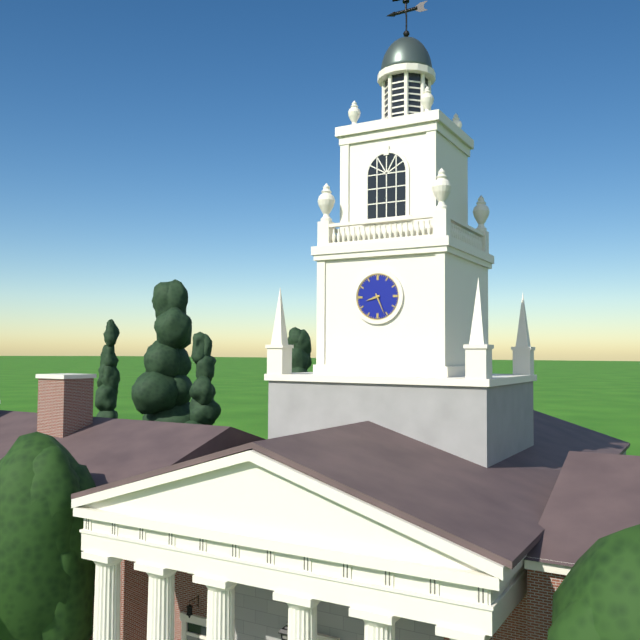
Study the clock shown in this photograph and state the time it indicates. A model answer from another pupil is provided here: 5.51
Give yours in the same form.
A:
8.26
